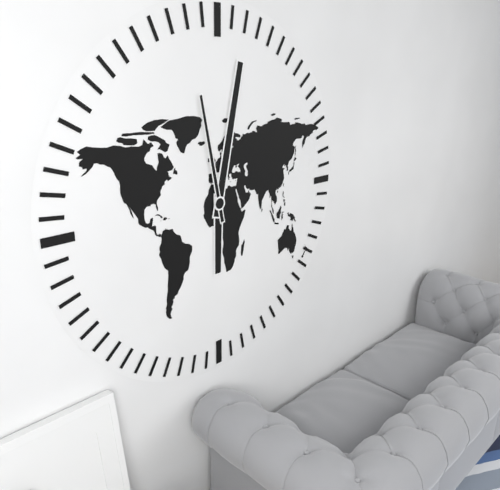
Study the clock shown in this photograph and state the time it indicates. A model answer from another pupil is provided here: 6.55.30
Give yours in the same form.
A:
6.02.58
